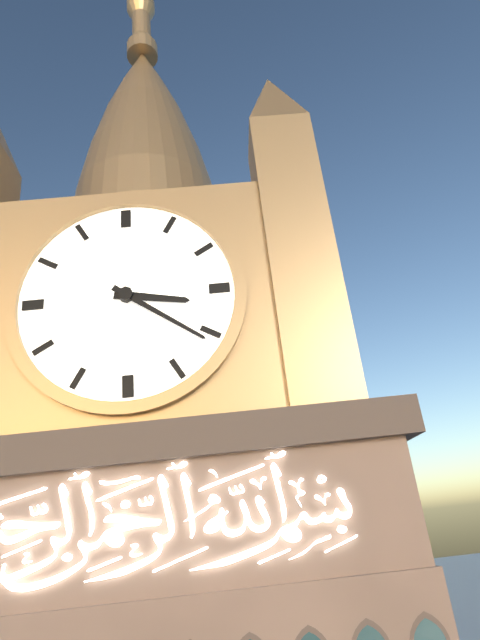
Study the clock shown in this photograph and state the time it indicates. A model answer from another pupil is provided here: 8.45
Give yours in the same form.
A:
3.21
